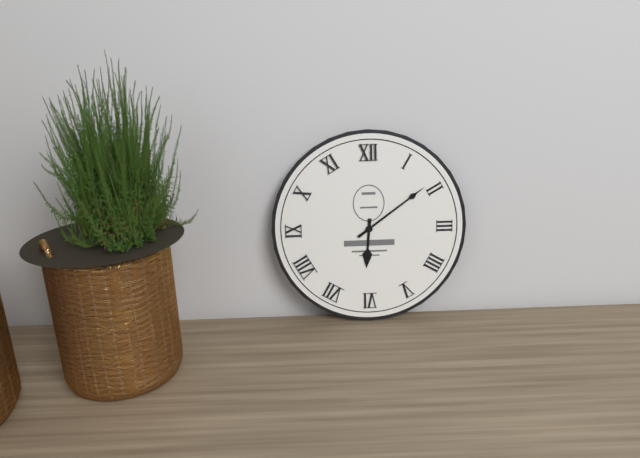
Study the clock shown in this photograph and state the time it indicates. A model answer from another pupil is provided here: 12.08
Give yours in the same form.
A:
6.09
